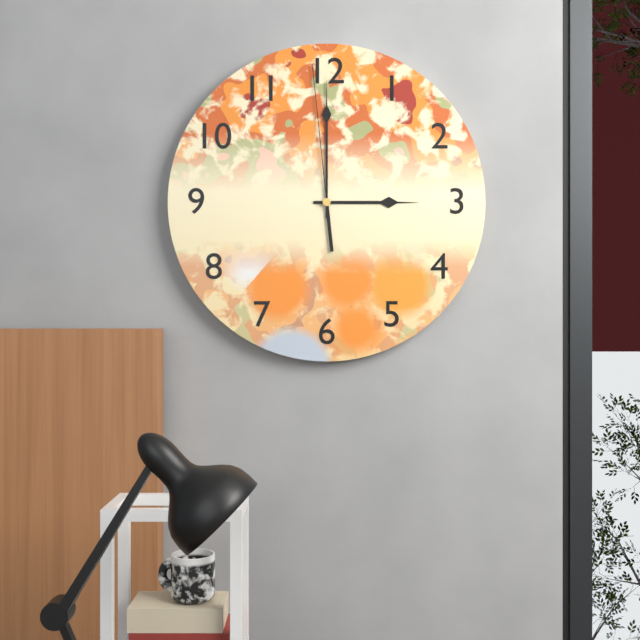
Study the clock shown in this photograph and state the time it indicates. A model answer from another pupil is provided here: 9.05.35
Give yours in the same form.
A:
3.00.59
